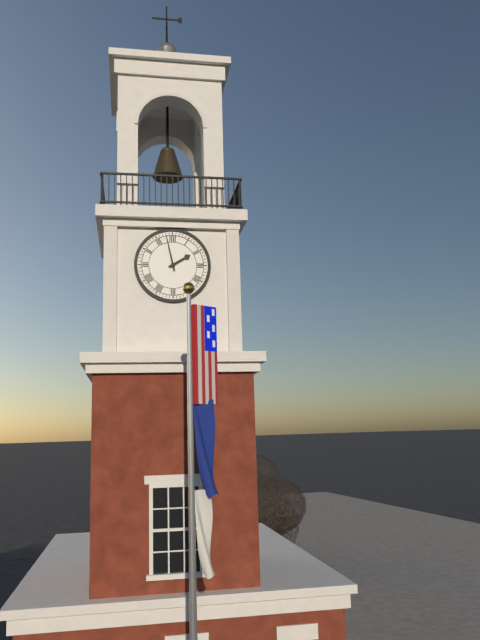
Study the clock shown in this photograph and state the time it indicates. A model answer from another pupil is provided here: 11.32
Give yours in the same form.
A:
1.58
